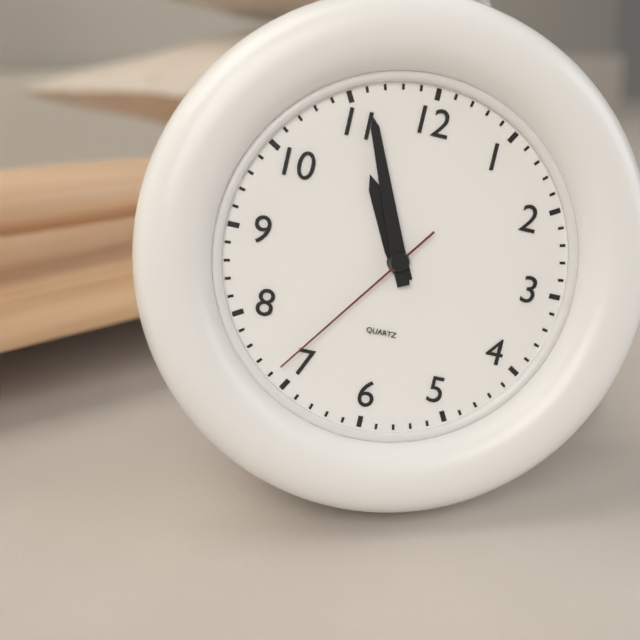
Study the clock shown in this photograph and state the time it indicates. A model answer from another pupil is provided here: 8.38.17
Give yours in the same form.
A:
10.56.36
